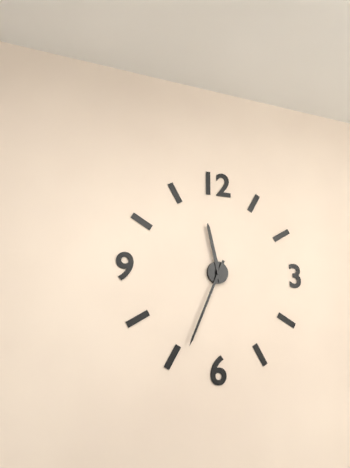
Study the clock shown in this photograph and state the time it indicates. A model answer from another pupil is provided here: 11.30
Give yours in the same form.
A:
11.34
